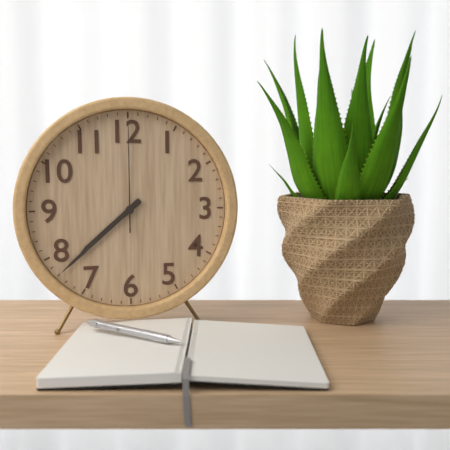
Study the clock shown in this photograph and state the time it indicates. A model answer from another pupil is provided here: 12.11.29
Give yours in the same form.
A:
7.38.00
